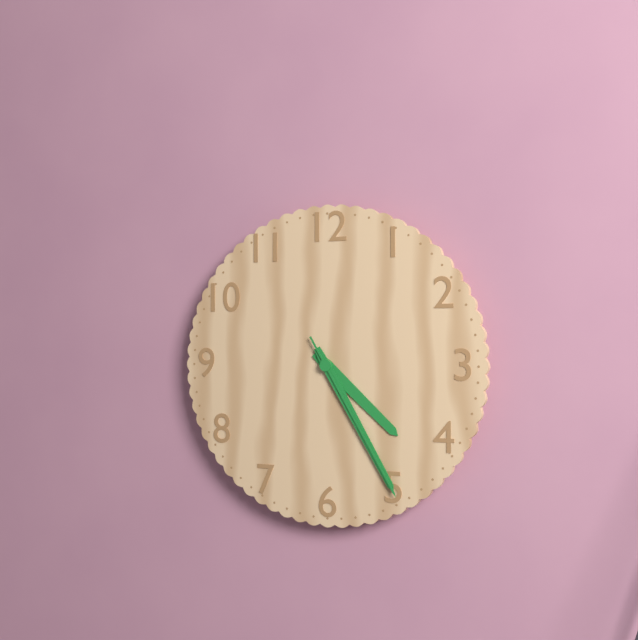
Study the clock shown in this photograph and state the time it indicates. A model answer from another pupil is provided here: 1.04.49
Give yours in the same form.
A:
4.25.25
